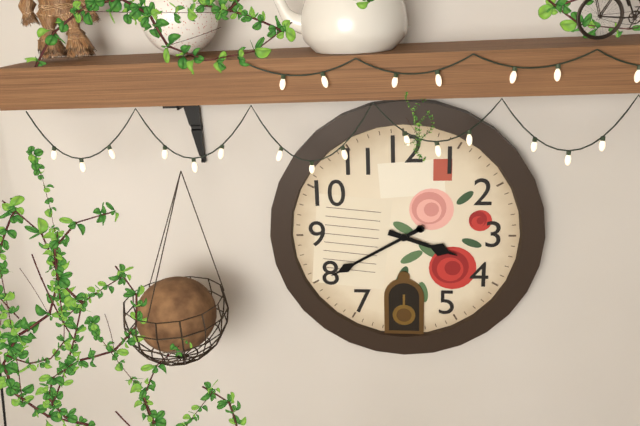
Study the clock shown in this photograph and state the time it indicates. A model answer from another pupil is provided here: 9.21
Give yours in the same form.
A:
3.40
